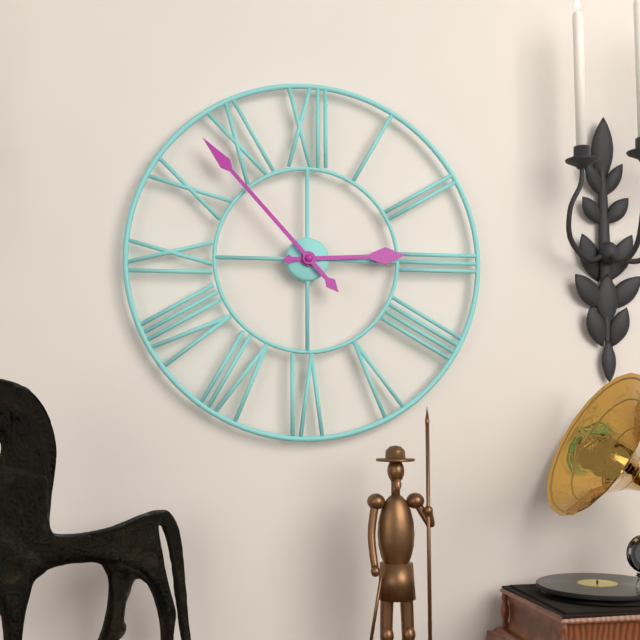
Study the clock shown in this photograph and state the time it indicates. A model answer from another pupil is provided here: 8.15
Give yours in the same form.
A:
2.53
